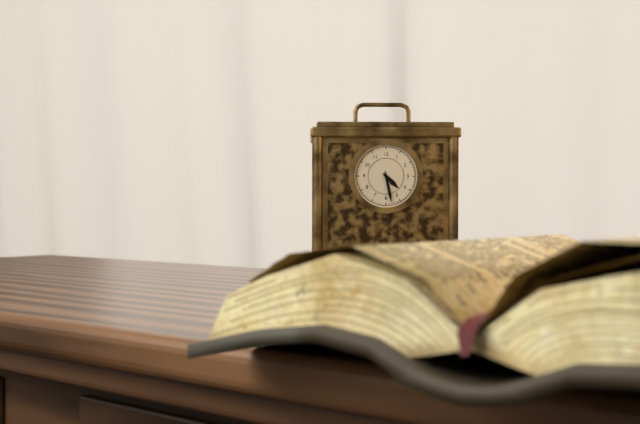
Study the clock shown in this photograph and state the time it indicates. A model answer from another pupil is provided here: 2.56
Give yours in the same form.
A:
4.28
